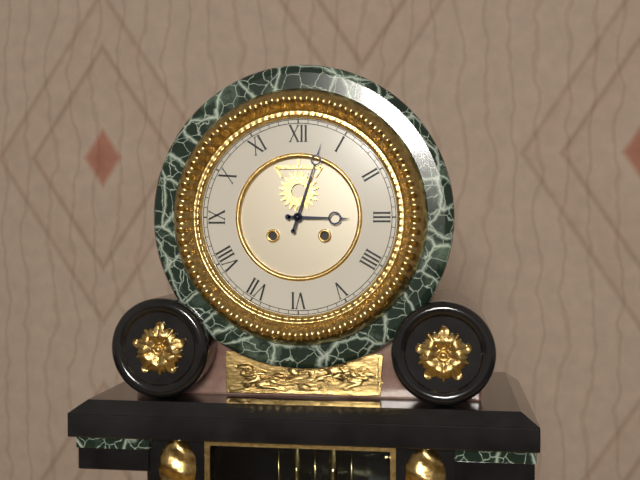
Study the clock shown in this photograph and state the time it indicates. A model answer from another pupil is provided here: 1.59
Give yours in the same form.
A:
3.03
